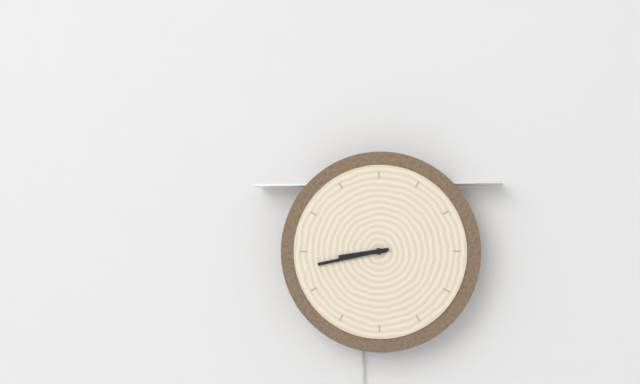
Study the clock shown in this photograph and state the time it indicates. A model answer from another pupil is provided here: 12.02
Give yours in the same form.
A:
8.43
